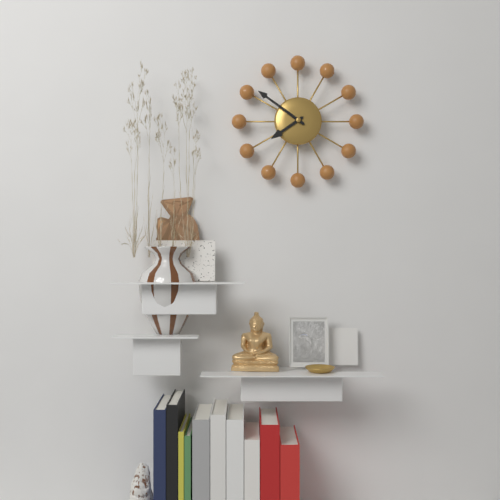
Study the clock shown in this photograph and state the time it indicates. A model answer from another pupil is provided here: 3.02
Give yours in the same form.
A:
7.51
